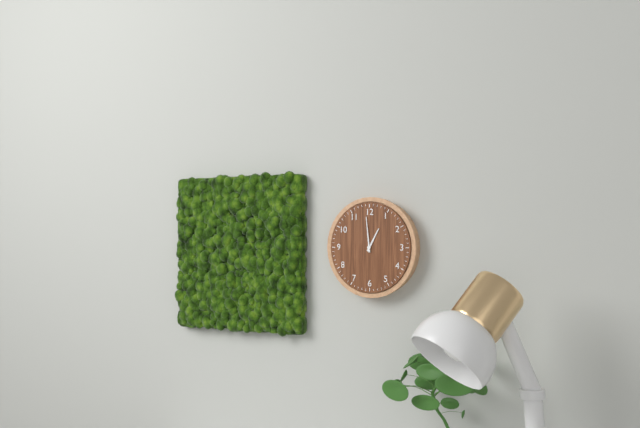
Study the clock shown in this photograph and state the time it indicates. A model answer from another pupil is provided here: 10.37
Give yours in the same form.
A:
12.59
